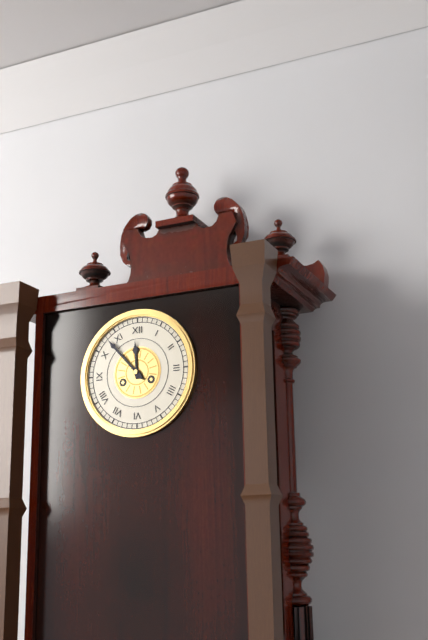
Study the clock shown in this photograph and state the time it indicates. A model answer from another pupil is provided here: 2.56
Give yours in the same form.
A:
11.53
